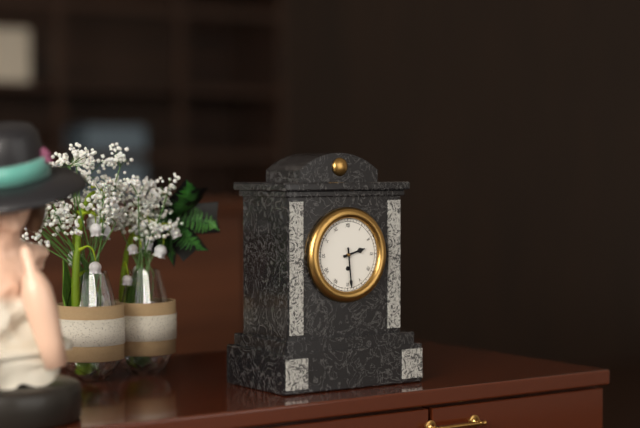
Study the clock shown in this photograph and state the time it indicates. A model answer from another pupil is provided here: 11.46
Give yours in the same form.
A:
2.29
